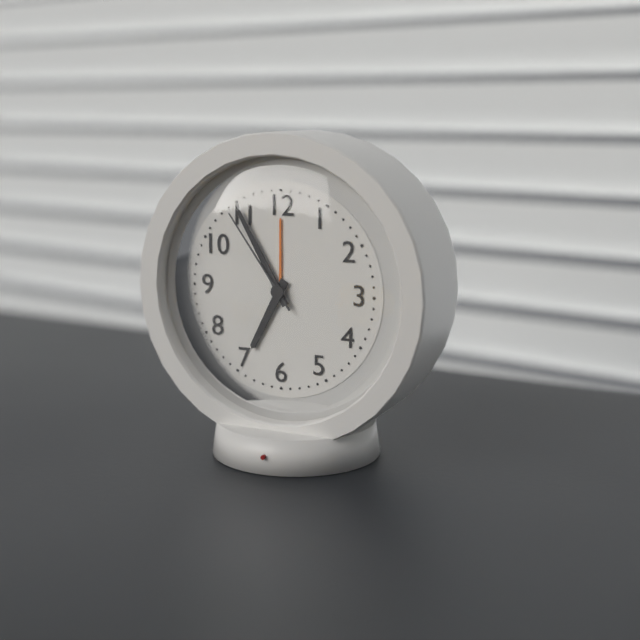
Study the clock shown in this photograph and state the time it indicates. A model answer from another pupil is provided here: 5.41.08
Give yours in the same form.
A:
6.55.54
